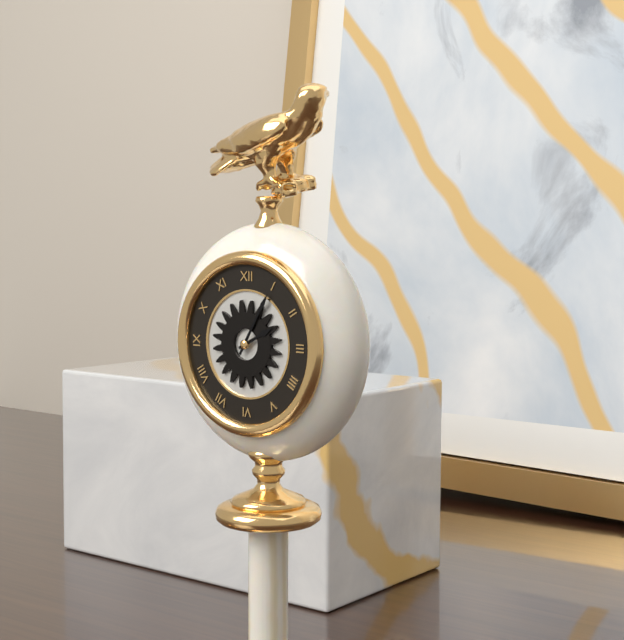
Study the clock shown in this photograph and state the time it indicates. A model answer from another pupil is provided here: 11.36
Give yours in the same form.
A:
2.05
